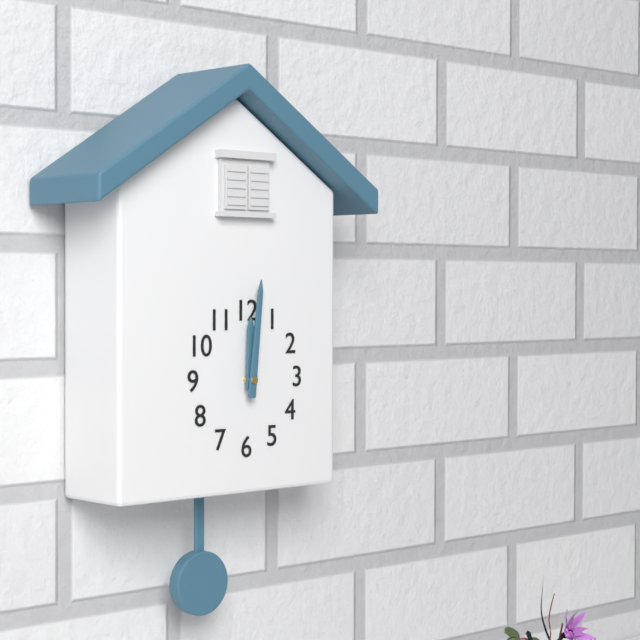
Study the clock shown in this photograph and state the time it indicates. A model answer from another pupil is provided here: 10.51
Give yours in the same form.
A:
12.01
